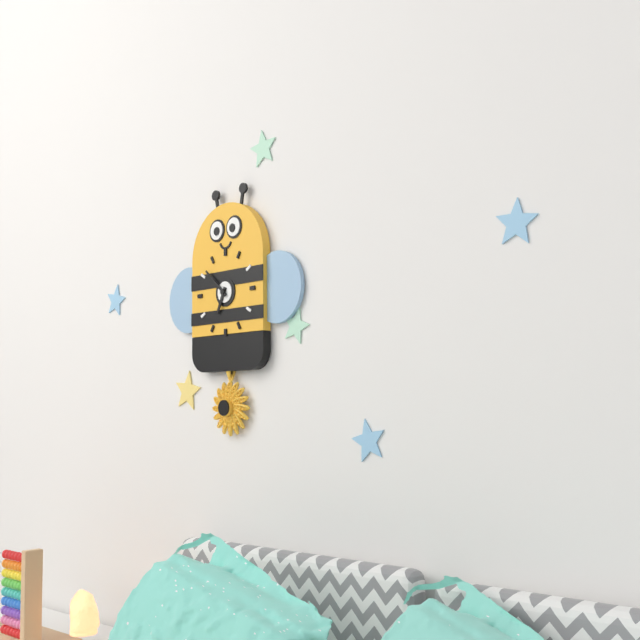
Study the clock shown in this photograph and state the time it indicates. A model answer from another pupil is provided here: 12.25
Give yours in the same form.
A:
6.52
